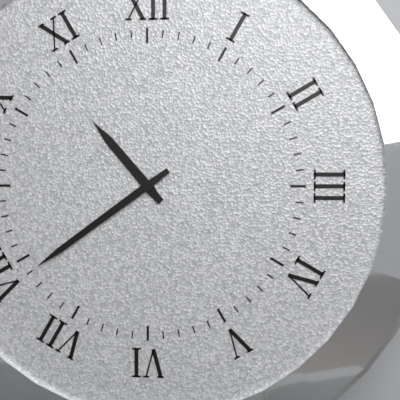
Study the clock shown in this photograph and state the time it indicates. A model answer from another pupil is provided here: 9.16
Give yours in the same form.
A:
10.39
